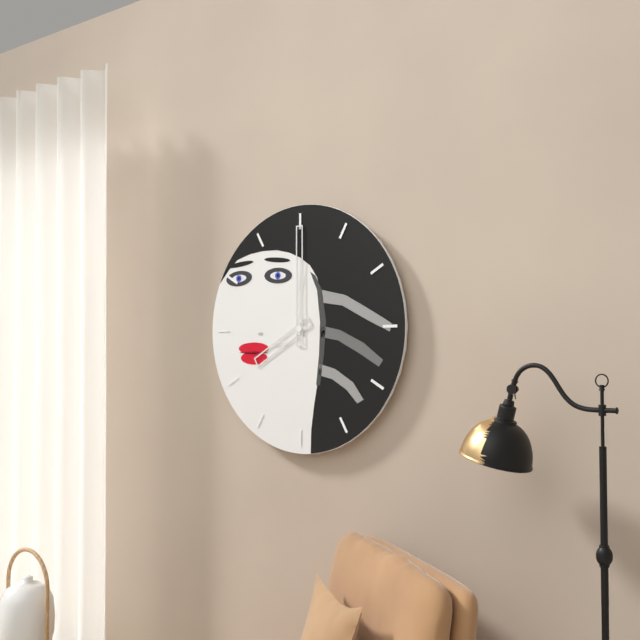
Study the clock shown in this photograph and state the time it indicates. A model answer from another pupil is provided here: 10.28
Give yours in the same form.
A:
8.00
